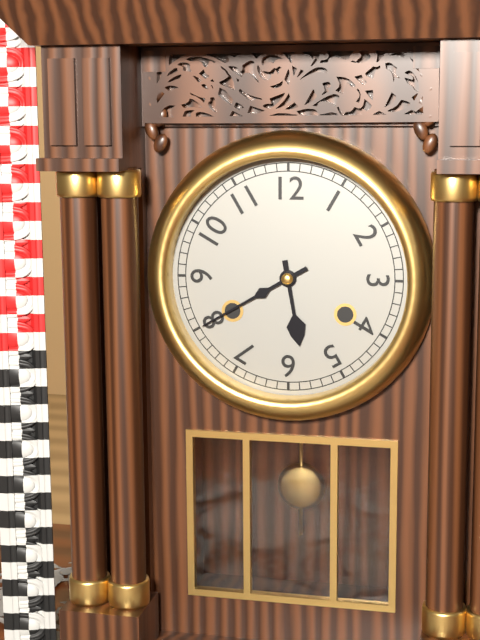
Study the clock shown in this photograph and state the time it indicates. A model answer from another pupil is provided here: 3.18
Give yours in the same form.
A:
5.40
